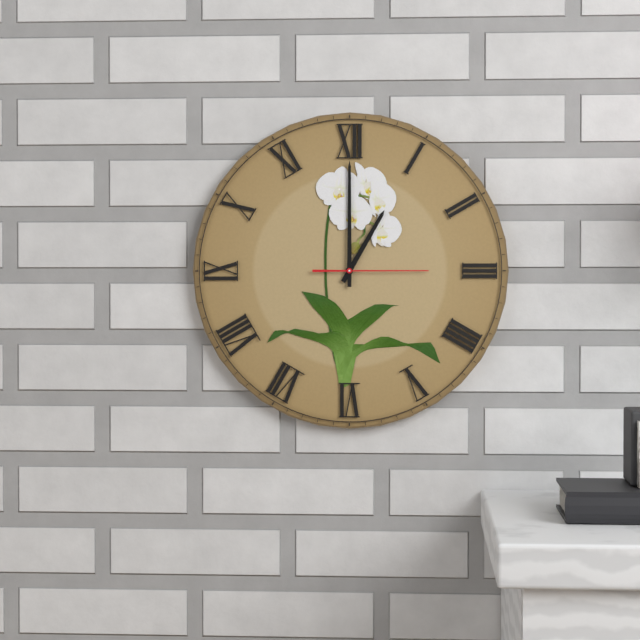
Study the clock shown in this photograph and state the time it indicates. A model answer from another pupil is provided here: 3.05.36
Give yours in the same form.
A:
1.00.15
